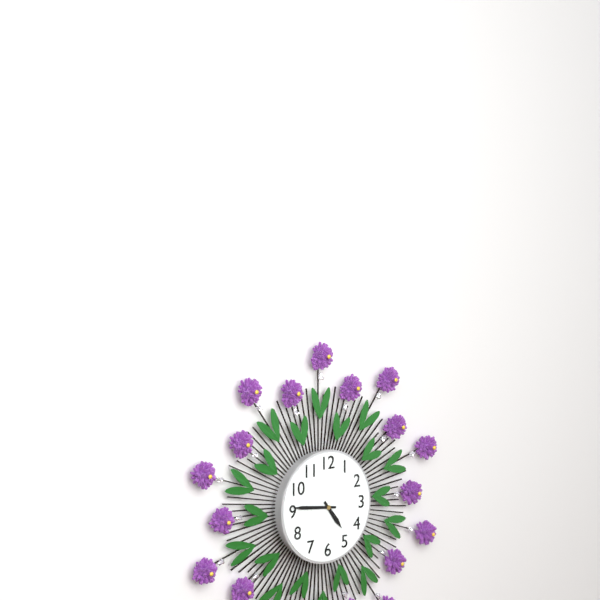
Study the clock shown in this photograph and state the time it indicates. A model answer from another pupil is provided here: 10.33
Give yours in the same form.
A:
4.46
